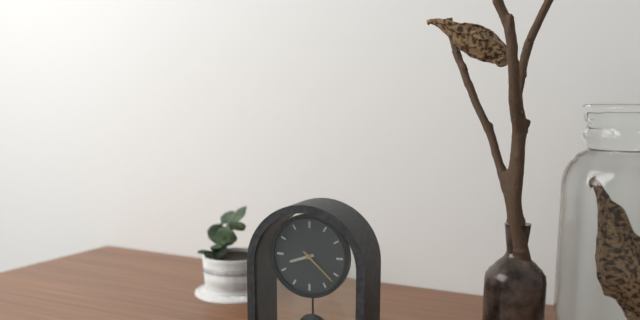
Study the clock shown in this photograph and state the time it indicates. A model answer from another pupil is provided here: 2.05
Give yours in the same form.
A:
8.22
